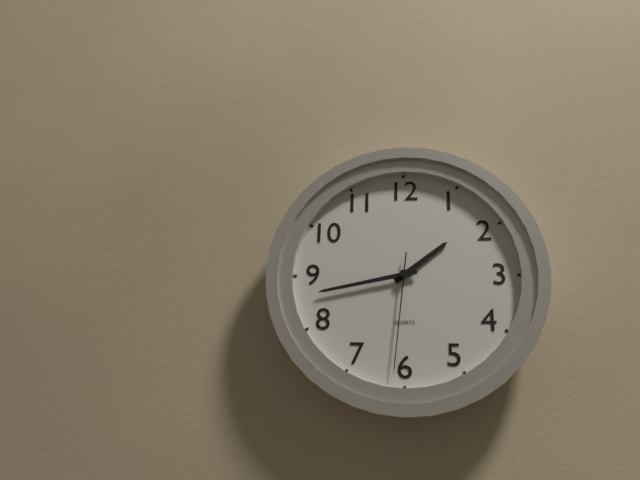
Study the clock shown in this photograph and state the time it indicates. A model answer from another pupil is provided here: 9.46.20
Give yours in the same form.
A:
1.43.31
